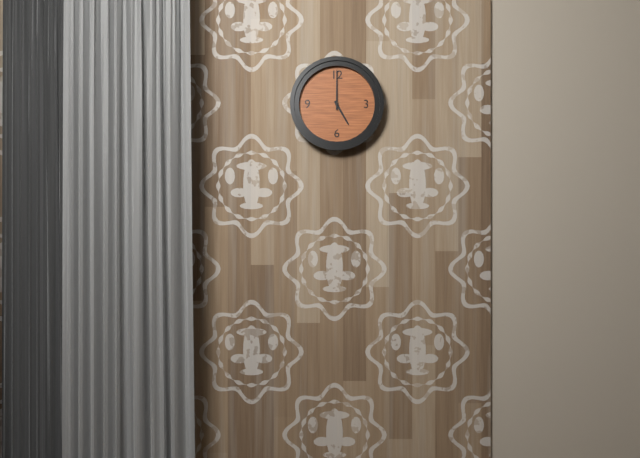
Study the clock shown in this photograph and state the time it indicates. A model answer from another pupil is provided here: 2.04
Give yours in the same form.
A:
5.00
